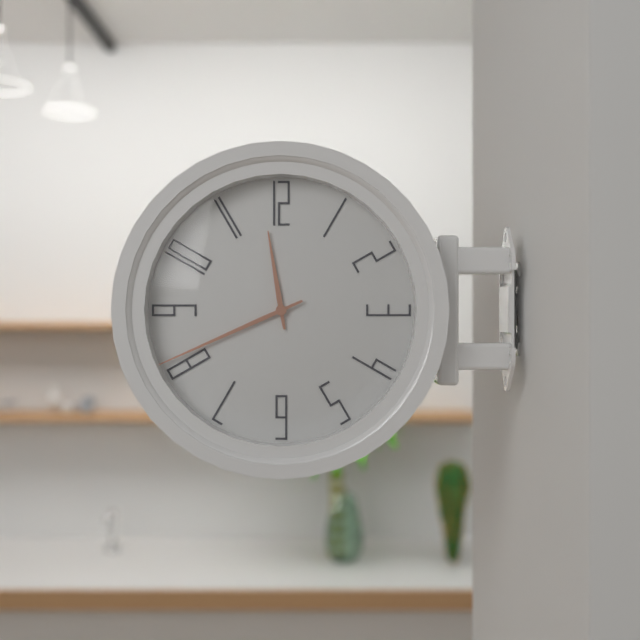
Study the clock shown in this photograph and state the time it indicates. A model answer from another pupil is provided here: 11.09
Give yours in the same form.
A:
11.41
